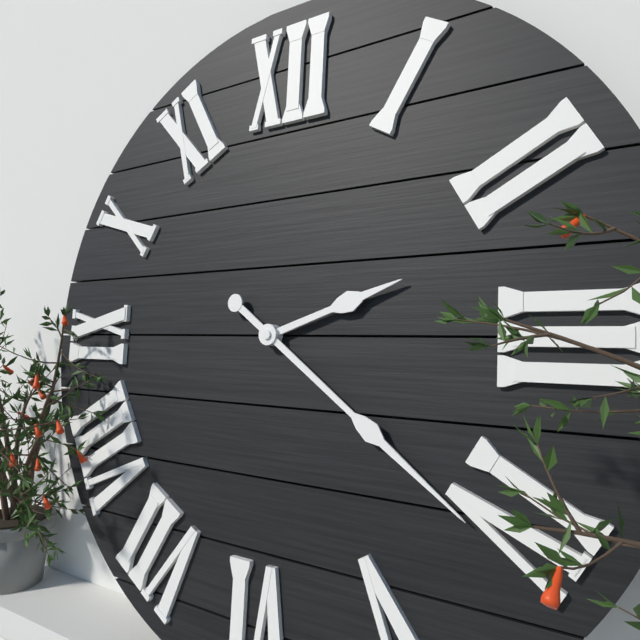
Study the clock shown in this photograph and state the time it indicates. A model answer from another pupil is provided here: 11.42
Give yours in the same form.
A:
2.21
